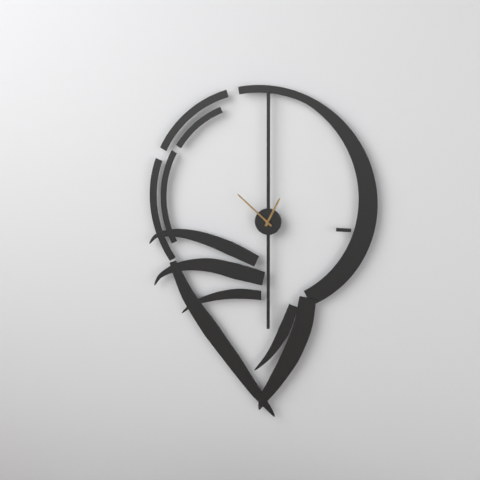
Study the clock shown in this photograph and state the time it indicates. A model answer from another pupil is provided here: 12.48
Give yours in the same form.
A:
12.52
